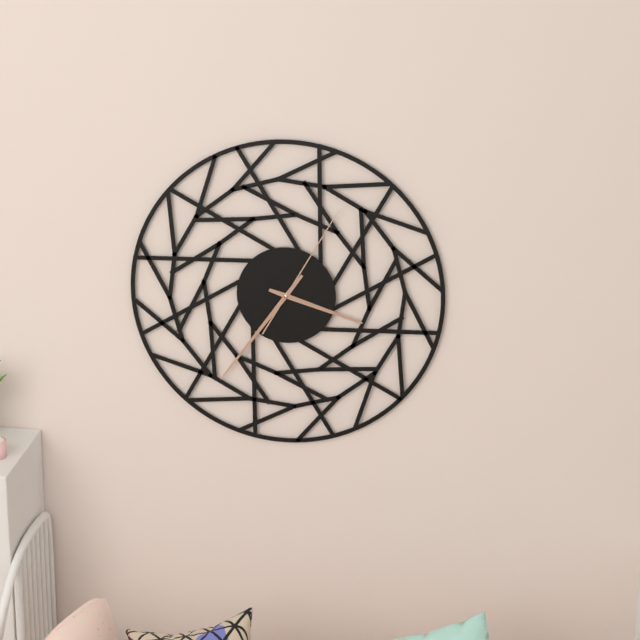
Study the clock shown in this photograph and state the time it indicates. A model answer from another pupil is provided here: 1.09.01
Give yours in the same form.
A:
3.36.05
